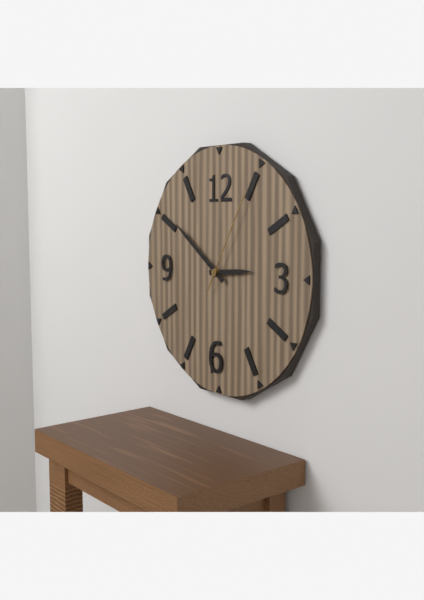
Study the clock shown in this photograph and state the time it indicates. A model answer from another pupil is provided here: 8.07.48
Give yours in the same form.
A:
2.51.05
